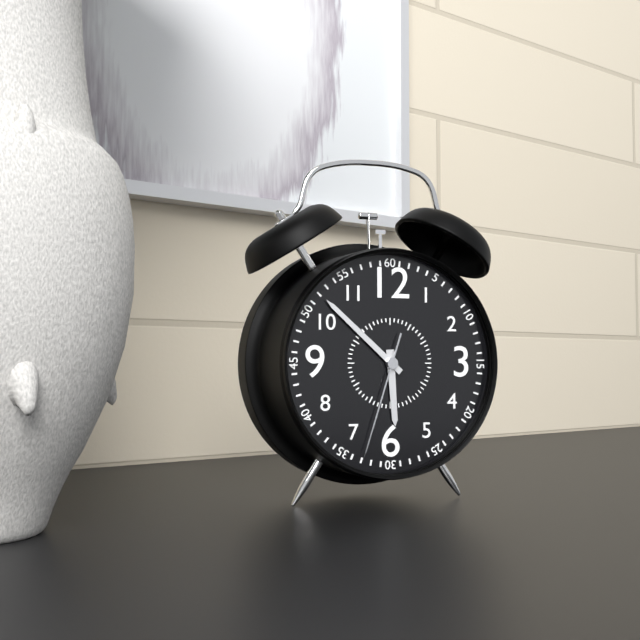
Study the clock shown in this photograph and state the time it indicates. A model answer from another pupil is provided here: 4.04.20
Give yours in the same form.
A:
5.52.33
